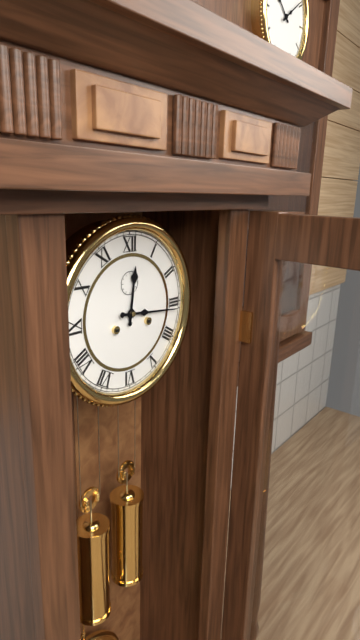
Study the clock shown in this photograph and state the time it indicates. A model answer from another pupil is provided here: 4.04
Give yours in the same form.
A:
12.16
